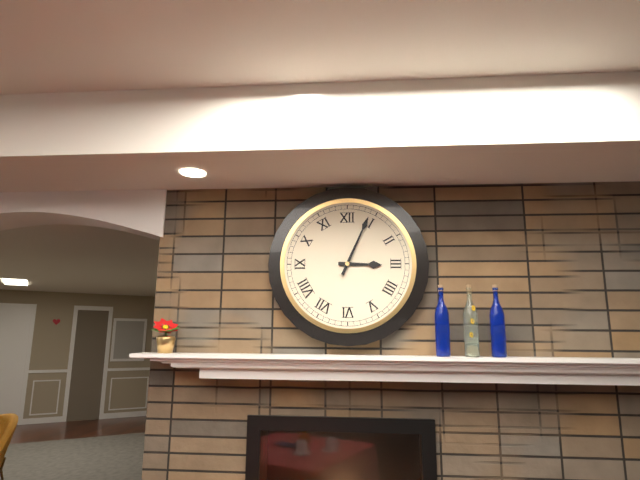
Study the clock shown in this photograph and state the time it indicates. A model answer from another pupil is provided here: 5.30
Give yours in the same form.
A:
3.04
